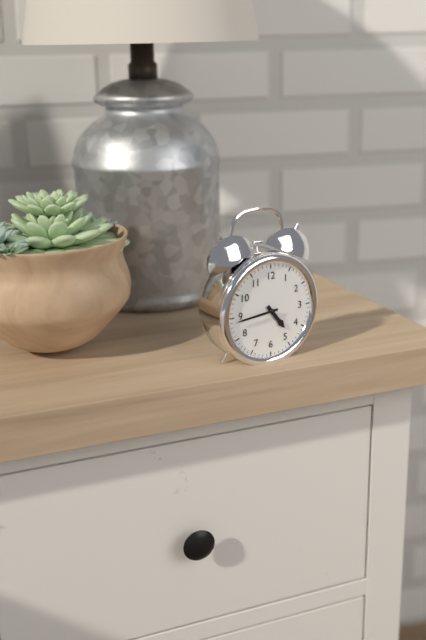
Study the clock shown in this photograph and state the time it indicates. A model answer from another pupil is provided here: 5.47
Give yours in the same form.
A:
4.44
